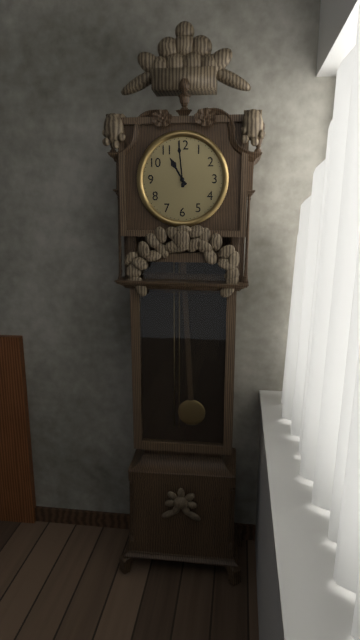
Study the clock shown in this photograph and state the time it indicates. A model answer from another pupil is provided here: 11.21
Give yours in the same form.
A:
10.59
